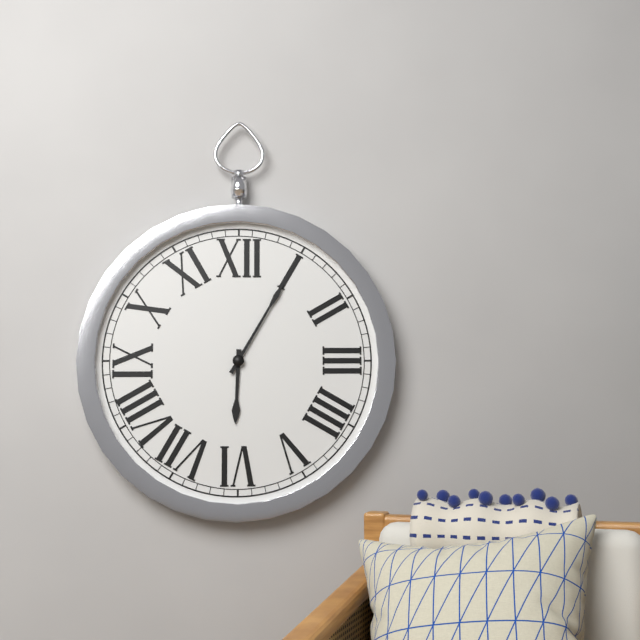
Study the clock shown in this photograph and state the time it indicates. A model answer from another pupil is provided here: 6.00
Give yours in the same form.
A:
6.05
